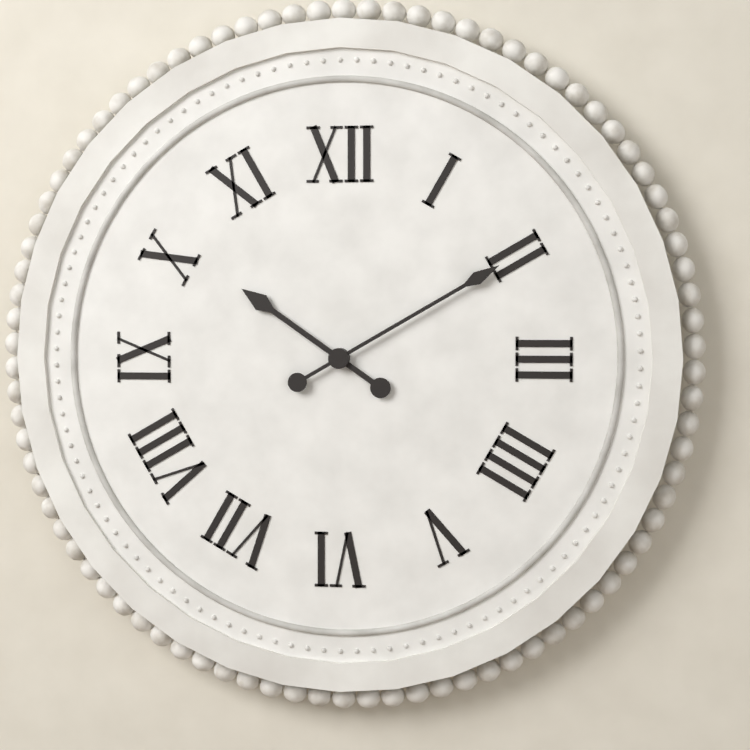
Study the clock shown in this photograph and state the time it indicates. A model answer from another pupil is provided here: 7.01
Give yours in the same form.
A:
10.10
